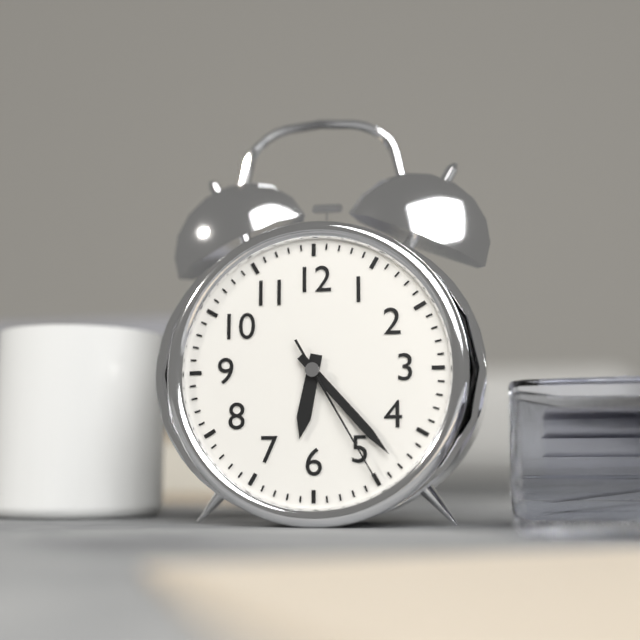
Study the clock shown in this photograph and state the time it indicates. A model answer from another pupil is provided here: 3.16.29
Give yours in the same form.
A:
6.23.25
